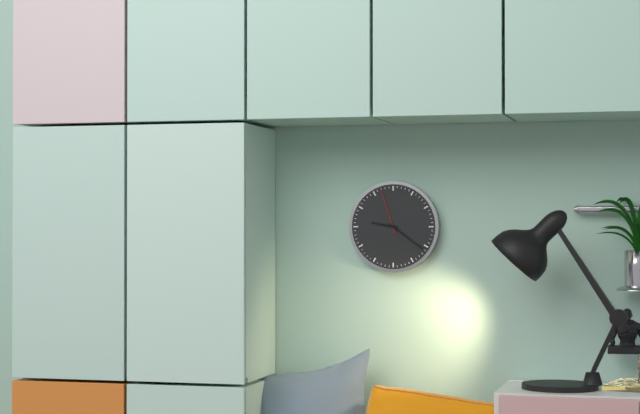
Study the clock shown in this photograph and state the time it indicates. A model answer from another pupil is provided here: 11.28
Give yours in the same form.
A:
9.21
